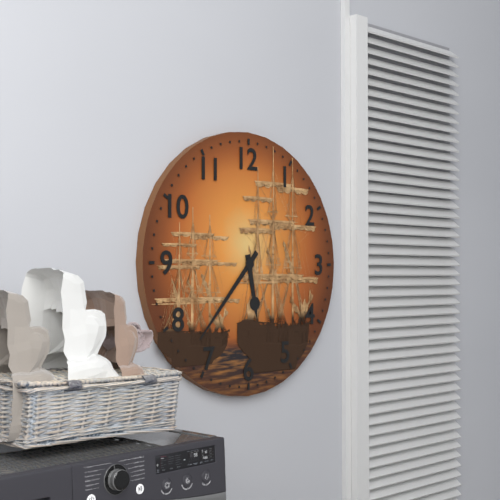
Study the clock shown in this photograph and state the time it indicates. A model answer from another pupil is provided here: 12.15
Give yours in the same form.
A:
5.37
